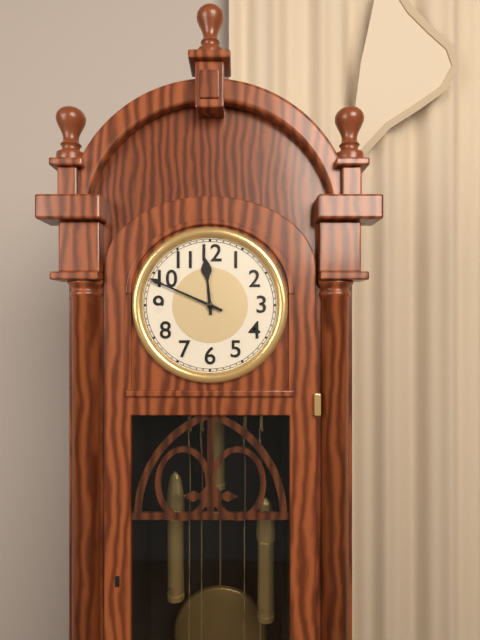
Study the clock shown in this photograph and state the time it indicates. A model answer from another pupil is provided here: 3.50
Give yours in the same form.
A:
11.49
